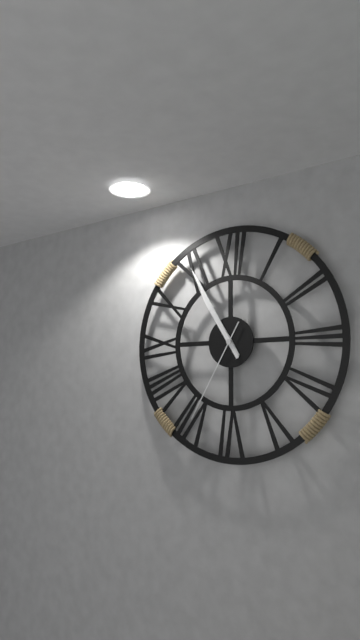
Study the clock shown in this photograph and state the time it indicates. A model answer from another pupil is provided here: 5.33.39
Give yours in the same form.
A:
10.55.35
